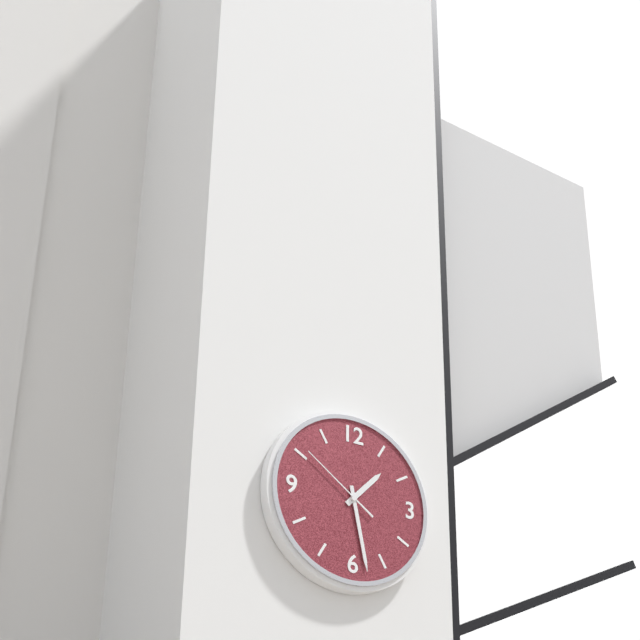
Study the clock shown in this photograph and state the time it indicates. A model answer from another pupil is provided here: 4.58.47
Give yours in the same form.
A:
1.28.51
